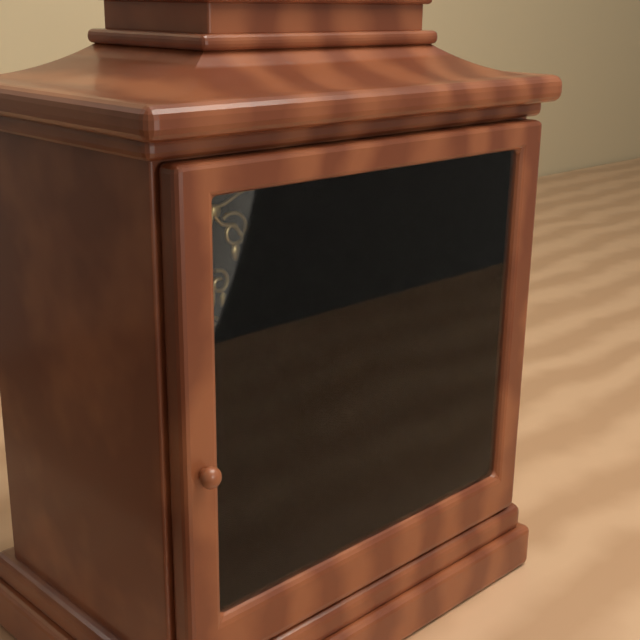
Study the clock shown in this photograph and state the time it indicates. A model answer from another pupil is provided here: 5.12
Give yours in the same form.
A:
6.57
